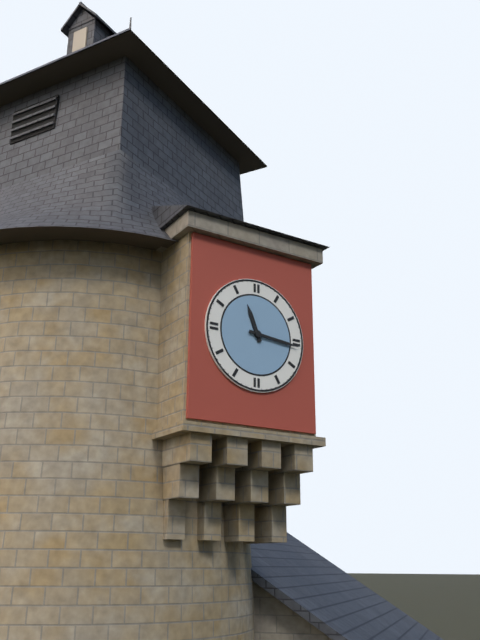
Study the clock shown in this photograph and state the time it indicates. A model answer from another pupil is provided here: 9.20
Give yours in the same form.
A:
11.16
